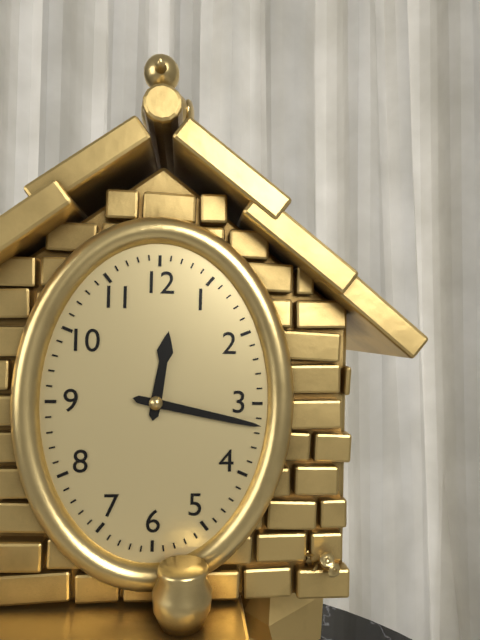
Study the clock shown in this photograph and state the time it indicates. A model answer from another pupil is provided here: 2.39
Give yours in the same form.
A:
12.17
